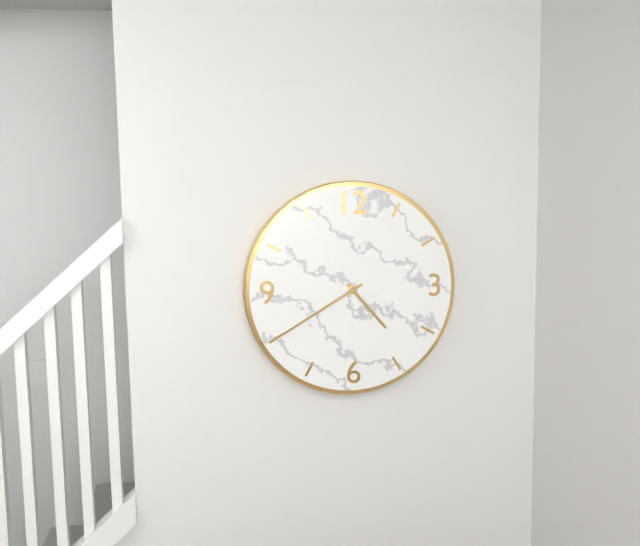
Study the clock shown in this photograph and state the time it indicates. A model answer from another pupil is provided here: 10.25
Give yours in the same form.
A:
4.40
